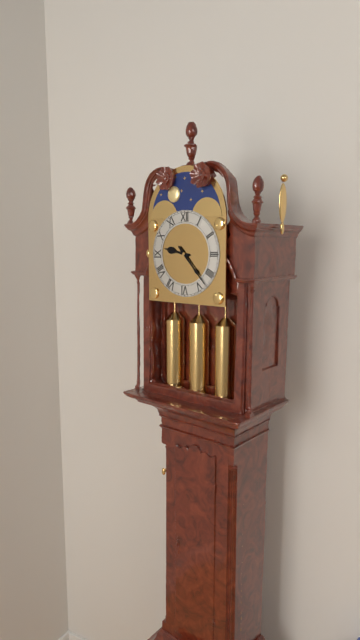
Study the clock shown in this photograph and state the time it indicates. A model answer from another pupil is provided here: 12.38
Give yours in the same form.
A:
9.23
